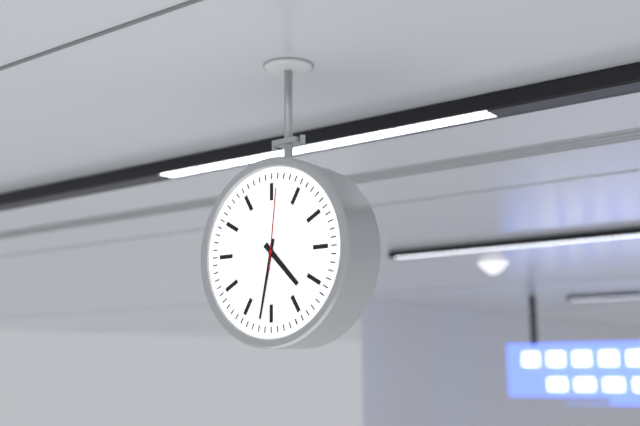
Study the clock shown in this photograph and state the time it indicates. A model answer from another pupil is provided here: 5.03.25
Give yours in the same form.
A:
4.32.01
